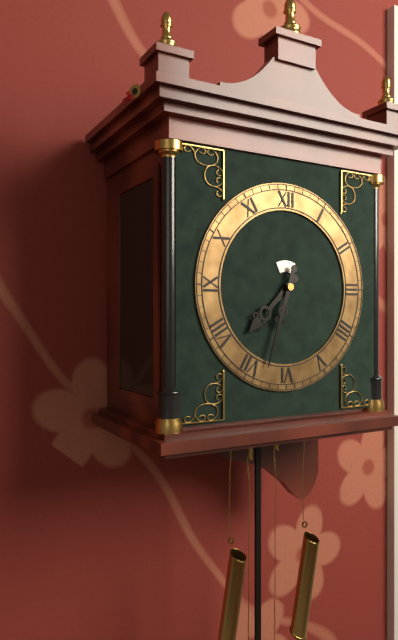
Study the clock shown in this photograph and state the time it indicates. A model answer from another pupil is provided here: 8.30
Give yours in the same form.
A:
7.33
